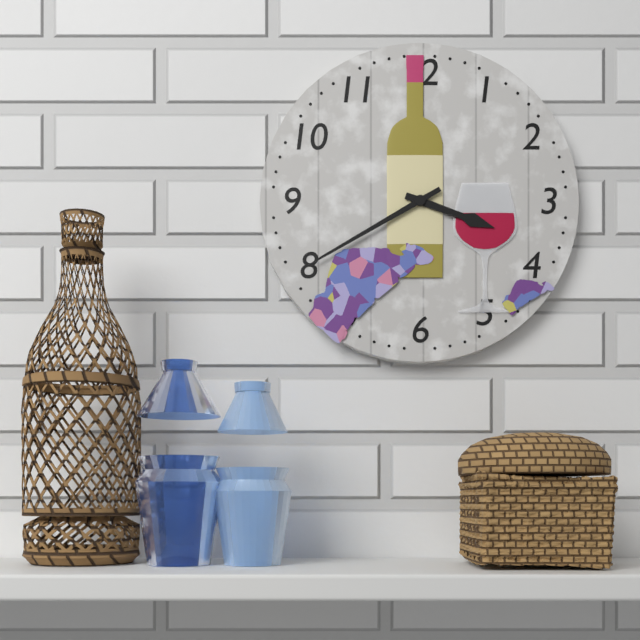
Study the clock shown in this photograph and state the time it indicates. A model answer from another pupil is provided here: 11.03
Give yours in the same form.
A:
3.40
